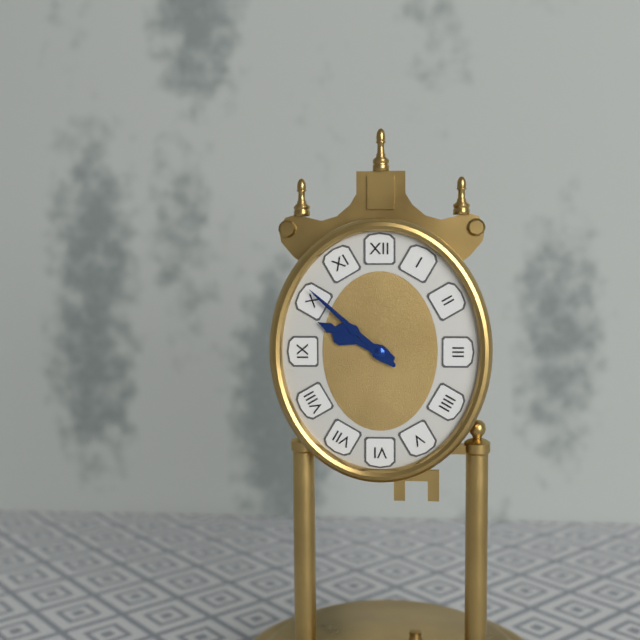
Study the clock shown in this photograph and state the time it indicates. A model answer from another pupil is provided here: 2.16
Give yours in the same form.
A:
9.52
